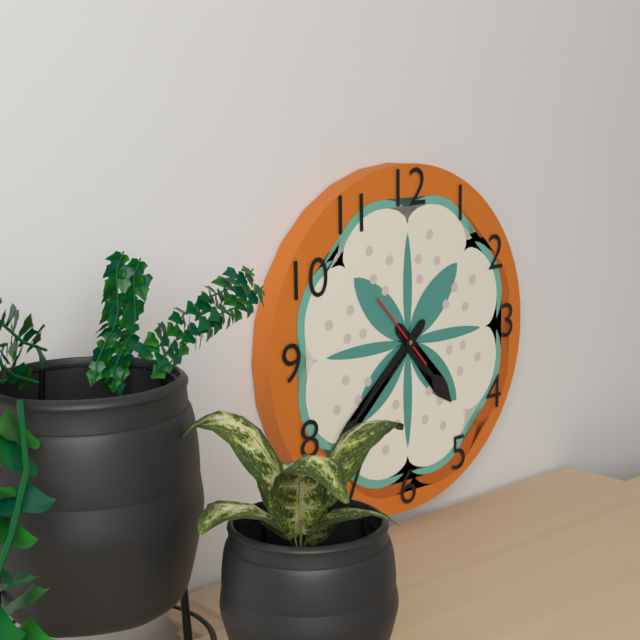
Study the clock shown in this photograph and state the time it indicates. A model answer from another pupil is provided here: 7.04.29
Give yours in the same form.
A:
4.38.53
